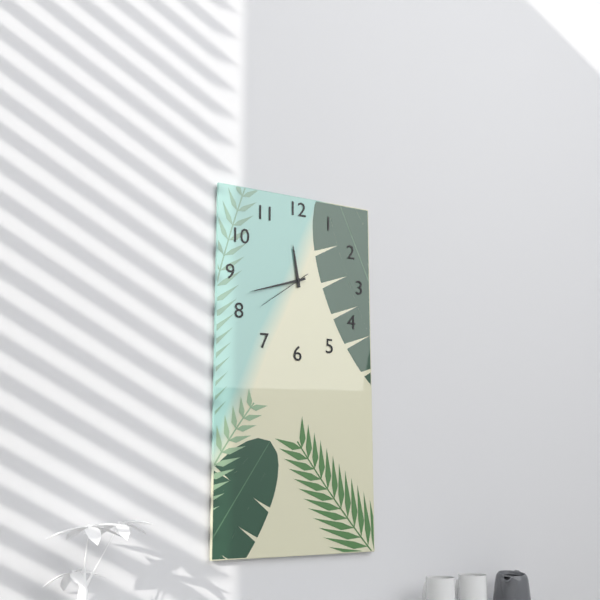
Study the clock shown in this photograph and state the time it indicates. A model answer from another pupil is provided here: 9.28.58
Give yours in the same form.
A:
11.42.39
